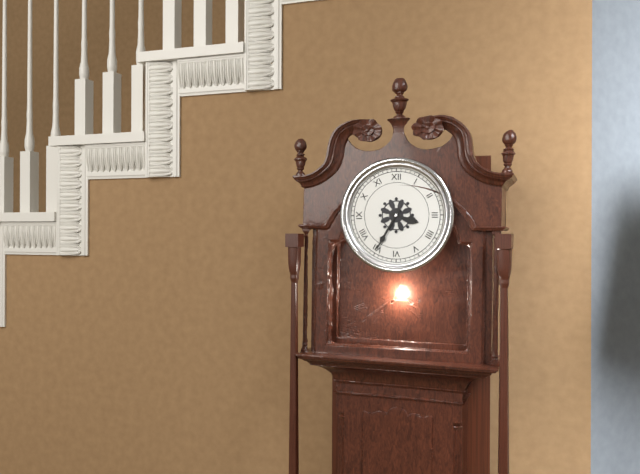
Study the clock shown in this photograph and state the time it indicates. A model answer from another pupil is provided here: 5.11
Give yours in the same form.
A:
3.35
